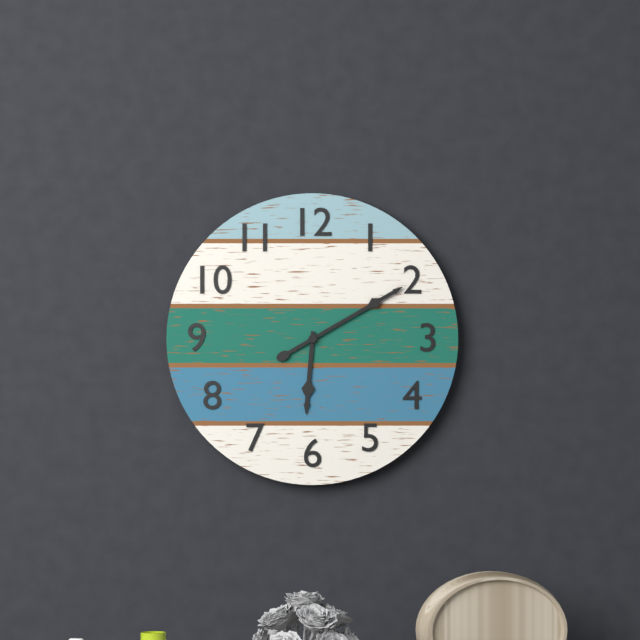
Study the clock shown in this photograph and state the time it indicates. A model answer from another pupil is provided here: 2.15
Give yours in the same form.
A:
6.10
